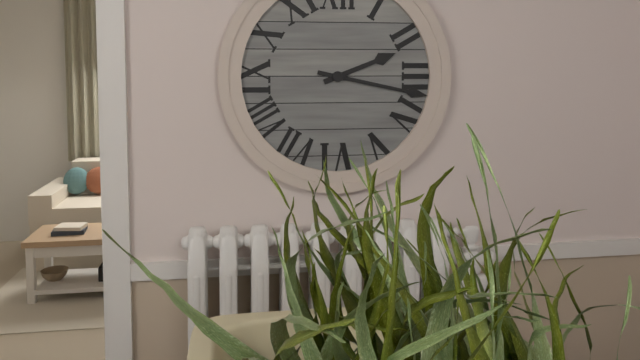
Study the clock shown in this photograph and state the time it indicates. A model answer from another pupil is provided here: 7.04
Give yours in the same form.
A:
2.17
